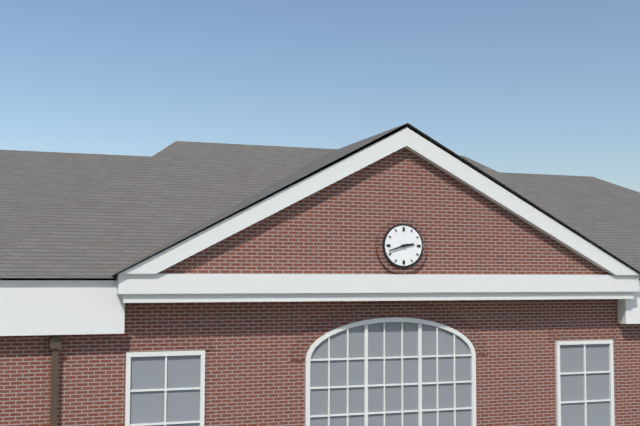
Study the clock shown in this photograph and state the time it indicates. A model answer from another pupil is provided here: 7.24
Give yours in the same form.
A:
2.42
